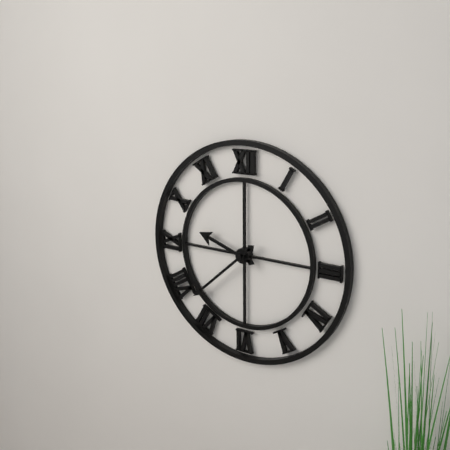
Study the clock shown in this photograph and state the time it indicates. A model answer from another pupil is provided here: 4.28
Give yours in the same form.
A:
9.38
